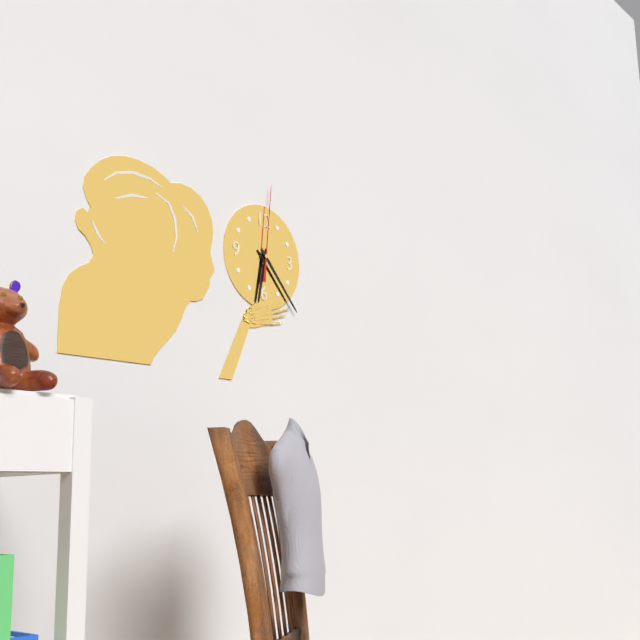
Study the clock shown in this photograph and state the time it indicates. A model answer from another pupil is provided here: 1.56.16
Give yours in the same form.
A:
6.23.01
